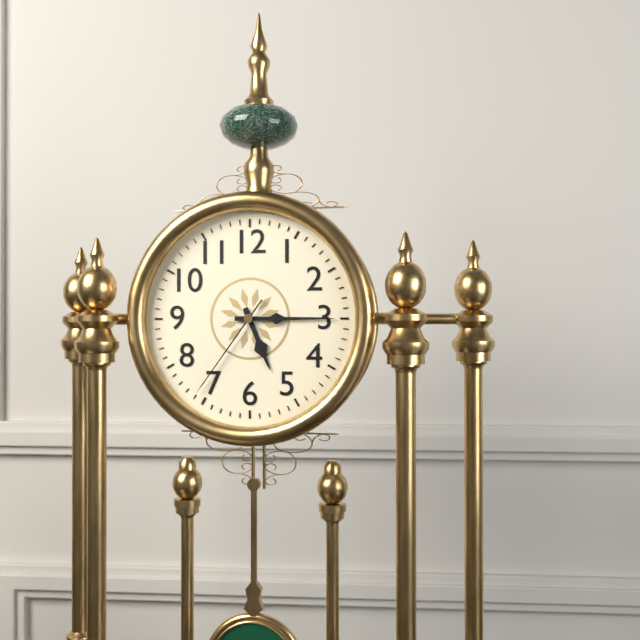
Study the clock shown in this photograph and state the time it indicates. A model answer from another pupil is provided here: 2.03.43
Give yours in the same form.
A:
5.15.36
